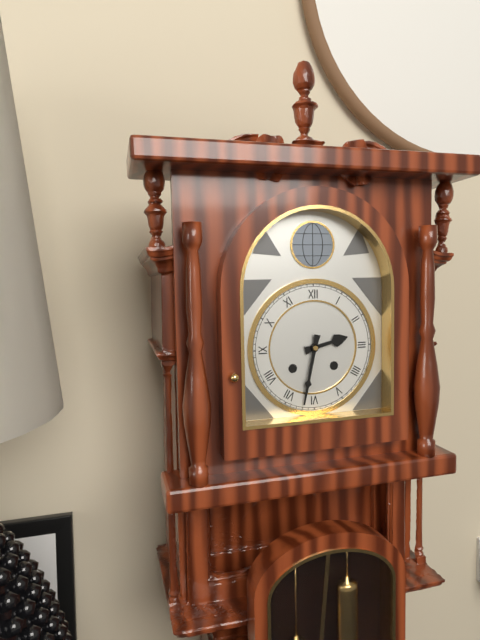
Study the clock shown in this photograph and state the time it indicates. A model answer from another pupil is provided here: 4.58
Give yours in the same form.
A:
2.32
